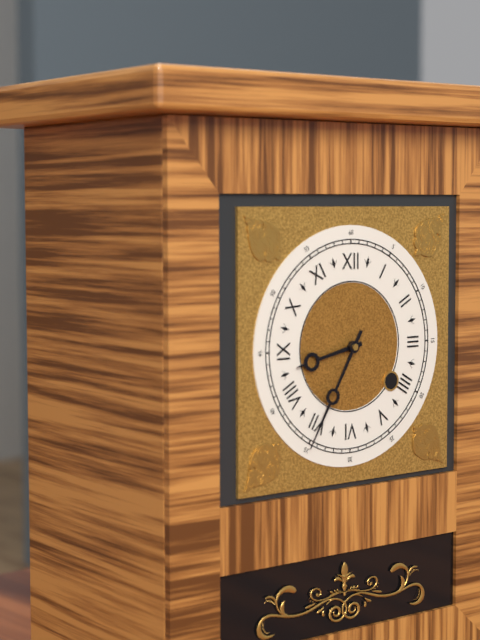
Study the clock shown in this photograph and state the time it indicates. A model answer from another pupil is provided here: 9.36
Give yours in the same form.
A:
8.35
